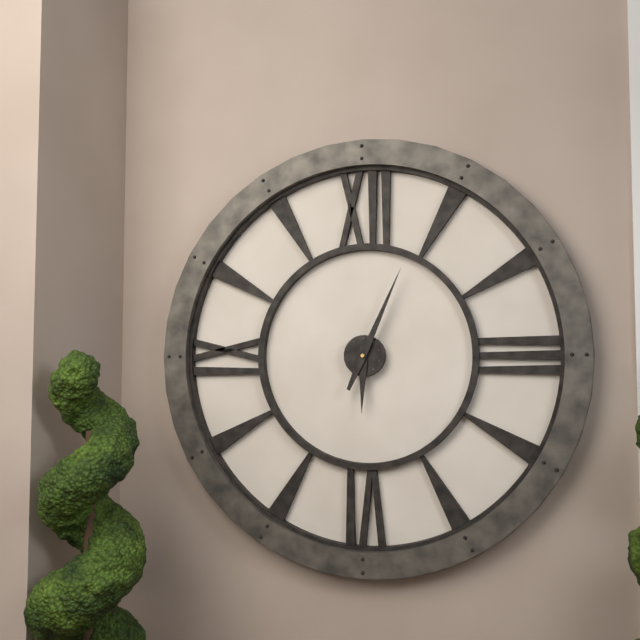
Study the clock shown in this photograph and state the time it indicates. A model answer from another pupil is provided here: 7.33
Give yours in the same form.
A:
6.04
